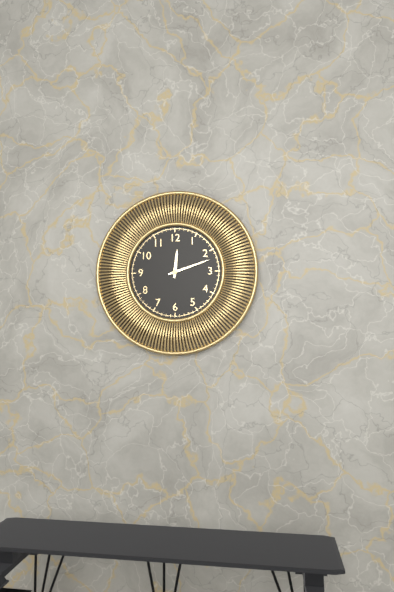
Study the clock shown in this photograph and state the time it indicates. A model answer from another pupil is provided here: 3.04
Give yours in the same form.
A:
12.12
